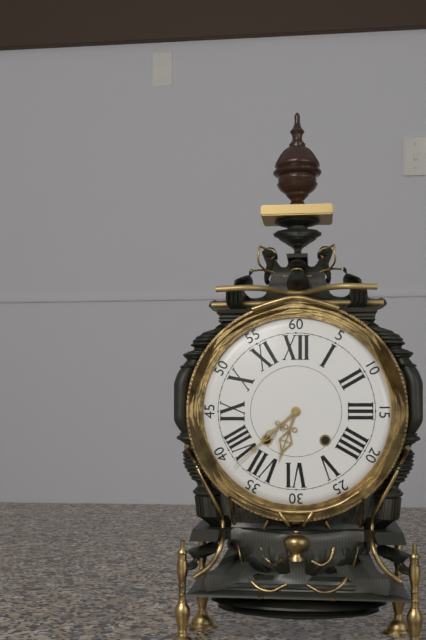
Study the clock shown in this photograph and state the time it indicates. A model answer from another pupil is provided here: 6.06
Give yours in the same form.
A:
6.38
